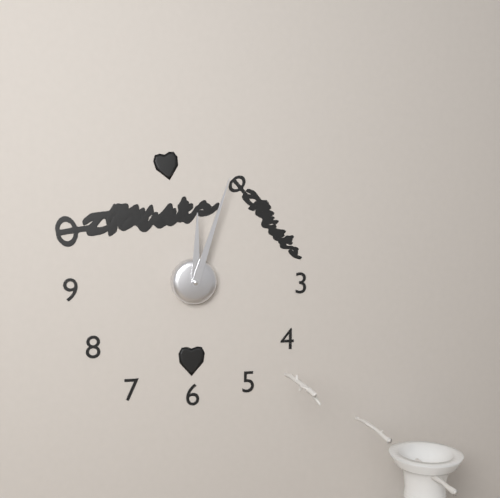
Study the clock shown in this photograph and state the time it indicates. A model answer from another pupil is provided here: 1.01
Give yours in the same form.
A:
12.03
